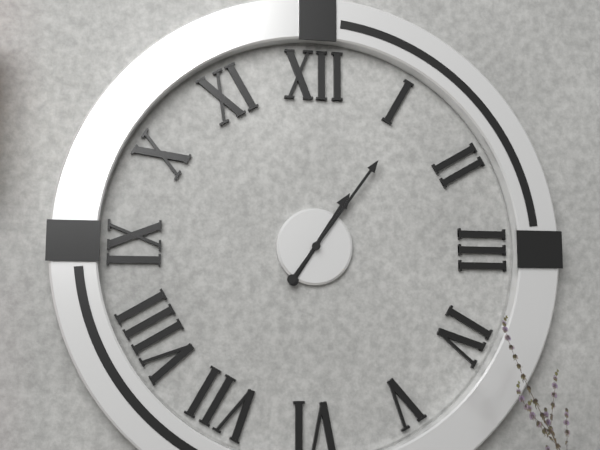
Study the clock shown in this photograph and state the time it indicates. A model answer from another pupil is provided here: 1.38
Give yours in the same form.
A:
1.06
